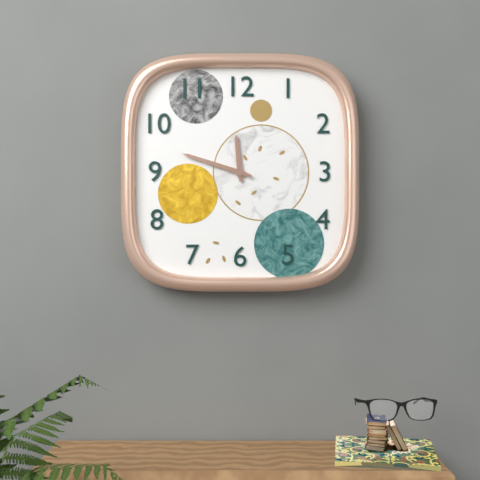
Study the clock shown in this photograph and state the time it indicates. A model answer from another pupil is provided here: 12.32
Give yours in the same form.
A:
11.48
